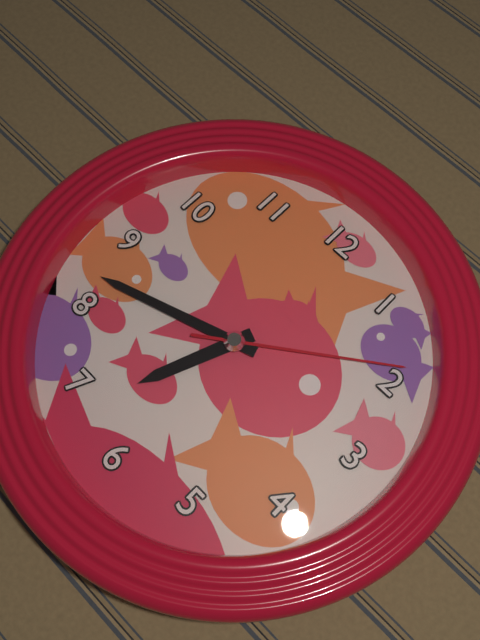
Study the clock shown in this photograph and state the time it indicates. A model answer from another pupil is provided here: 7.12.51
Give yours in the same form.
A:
6.42.09
